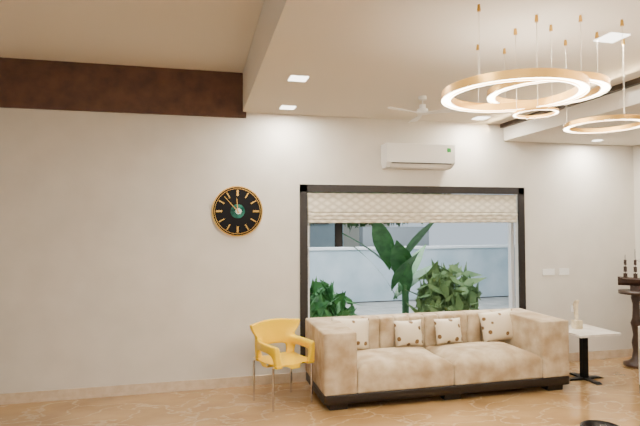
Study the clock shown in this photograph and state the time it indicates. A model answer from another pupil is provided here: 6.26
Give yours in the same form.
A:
11.53
